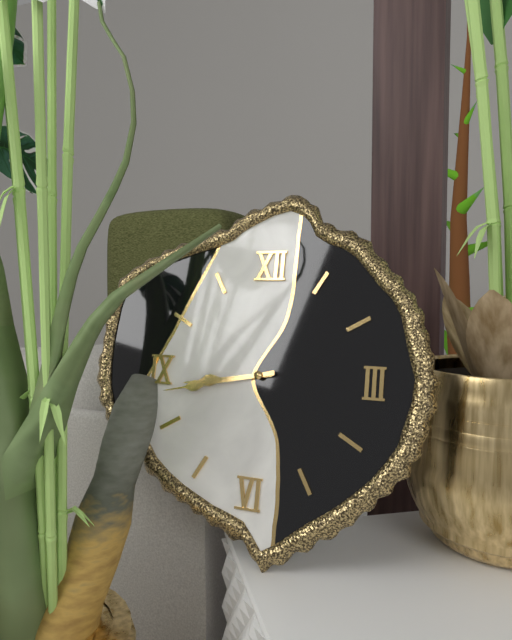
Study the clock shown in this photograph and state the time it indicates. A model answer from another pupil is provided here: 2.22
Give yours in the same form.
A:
8.43
